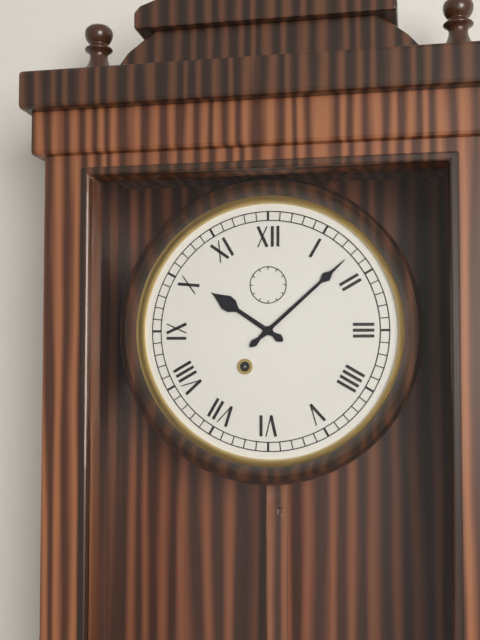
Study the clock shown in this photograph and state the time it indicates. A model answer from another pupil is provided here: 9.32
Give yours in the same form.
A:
10.08
